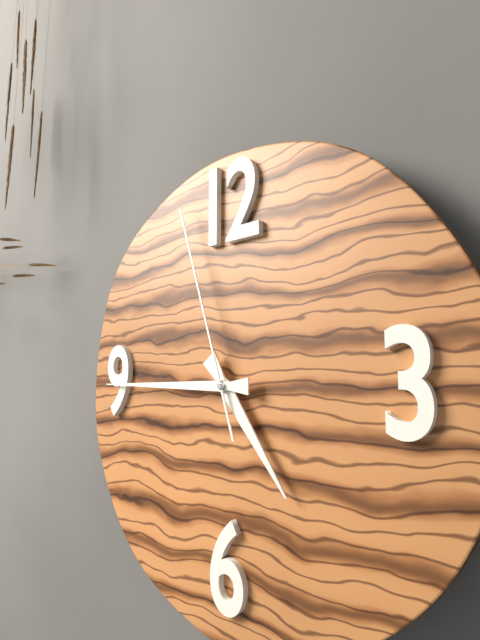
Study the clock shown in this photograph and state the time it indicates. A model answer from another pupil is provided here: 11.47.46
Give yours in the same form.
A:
4.45.57
